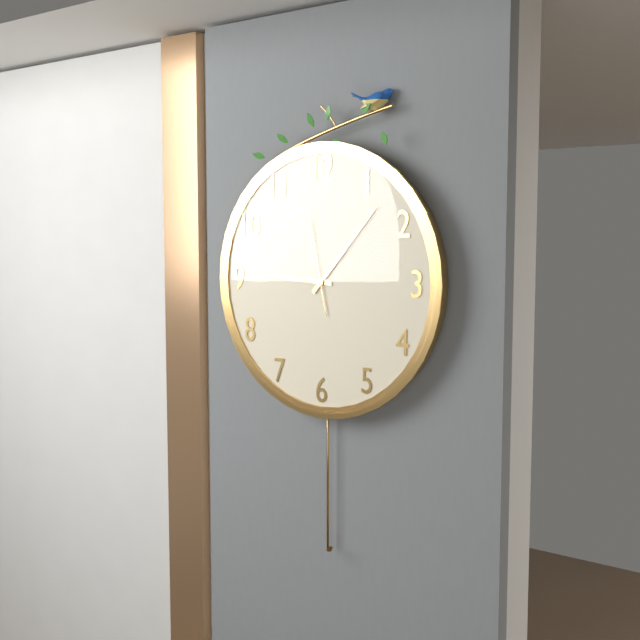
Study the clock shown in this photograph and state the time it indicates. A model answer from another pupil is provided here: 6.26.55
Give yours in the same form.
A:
9.07.58
